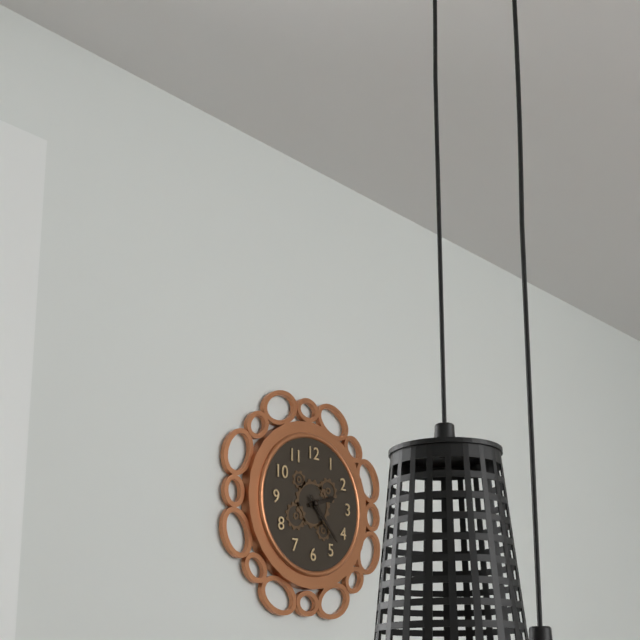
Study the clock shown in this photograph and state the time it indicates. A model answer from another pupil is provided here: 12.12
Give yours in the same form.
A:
2.23
